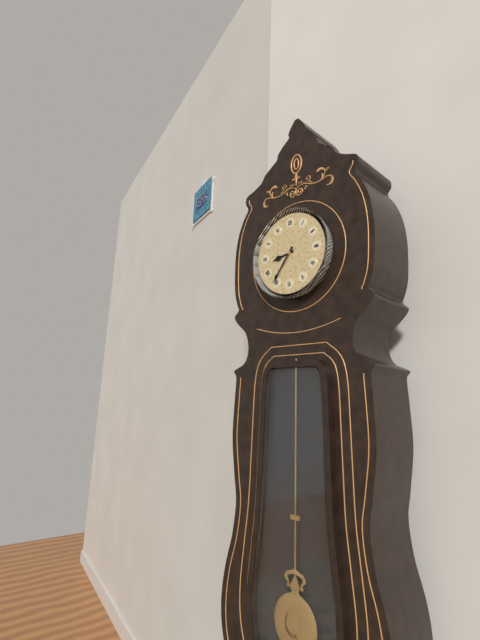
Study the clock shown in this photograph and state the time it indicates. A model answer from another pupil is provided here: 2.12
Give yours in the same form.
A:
8.36
